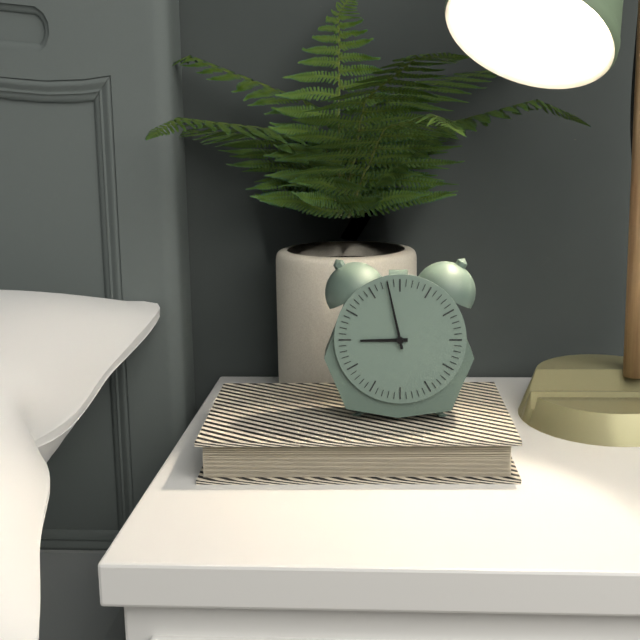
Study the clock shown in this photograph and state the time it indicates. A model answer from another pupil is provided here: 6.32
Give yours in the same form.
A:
8.58
